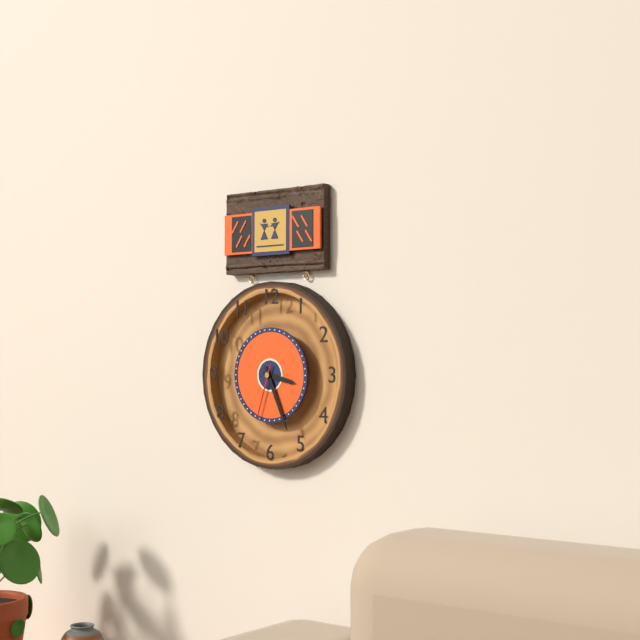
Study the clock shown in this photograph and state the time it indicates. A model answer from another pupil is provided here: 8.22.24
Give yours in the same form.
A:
3.26.33
